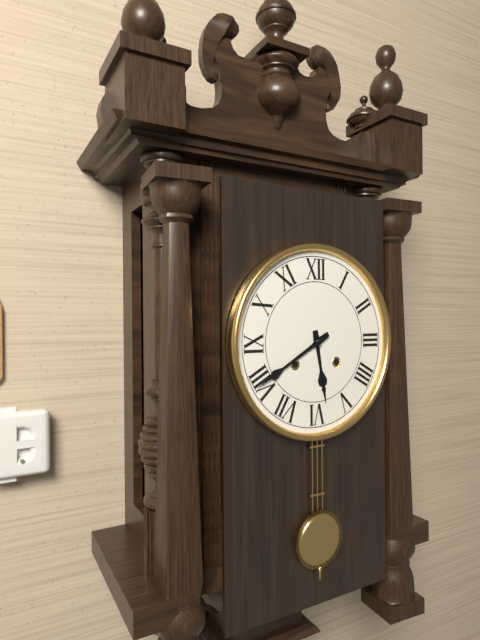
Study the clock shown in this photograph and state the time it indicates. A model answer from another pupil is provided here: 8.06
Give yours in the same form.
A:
5.40
